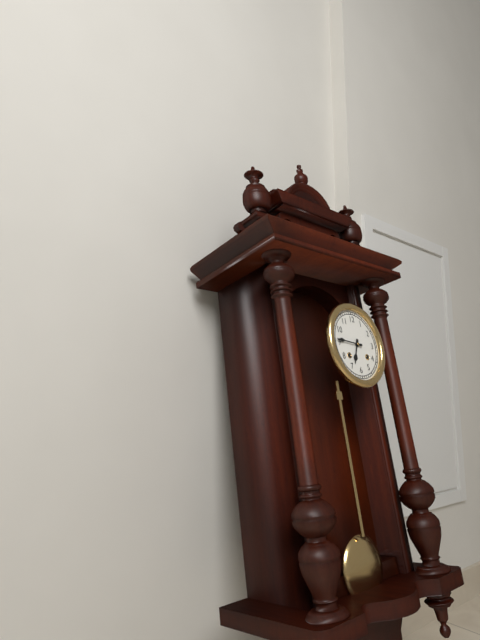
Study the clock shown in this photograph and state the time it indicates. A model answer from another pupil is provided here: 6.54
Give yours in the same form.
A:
6.46
